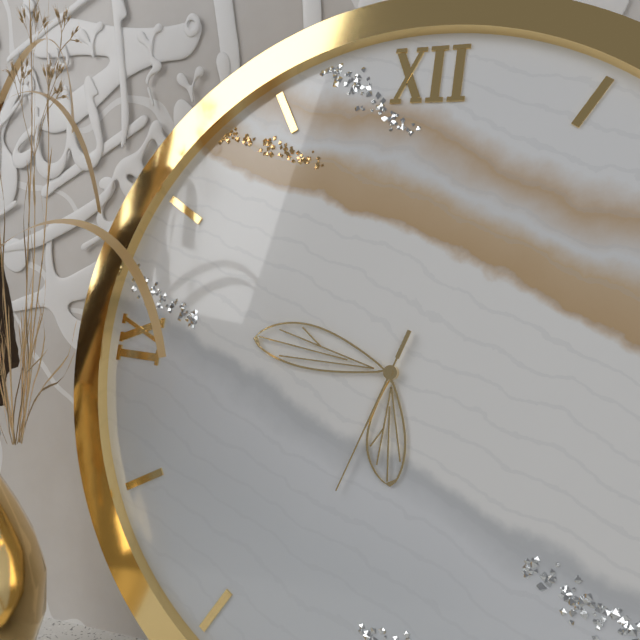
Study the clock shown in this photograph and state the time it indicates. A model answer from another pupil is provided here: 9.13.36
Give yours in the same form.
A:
5.46.33
